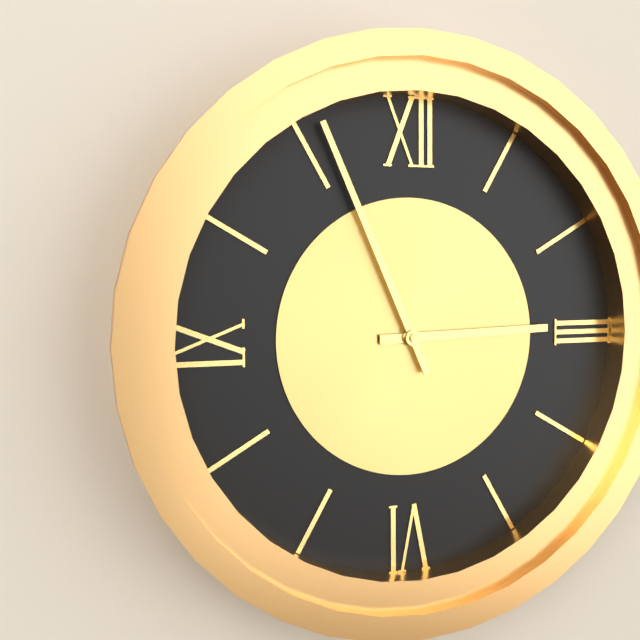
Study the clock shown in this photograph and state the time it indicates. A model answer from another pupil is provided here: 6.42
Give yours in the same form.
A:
2.56
